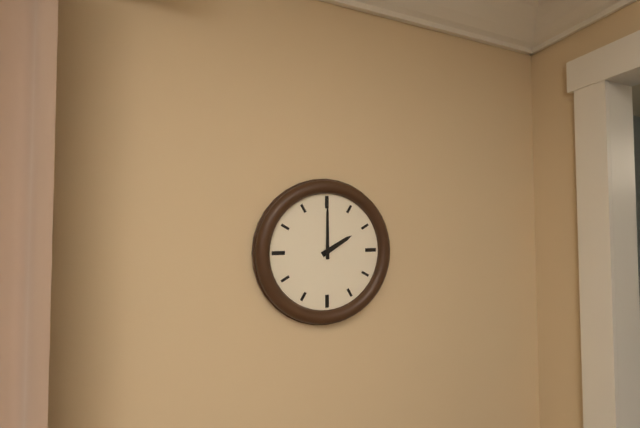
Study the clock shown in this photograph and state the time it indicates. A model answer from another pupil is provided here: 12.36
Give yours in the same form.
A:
2.00
